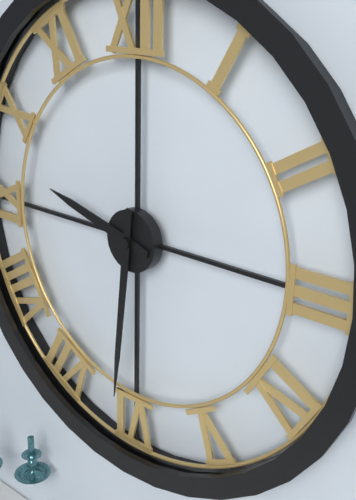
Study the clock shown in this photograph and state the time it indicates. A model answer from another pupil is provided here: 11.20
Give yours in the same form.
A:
9.31
